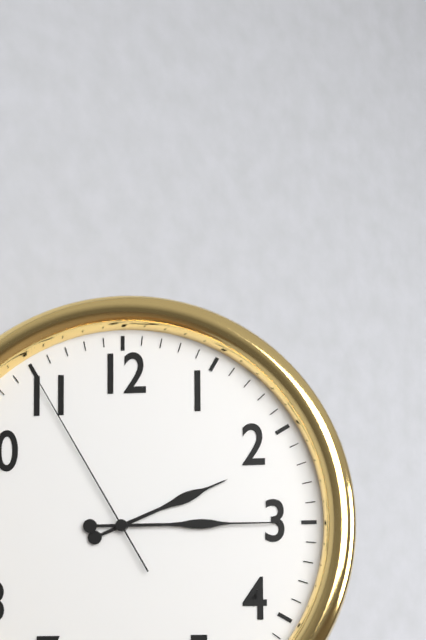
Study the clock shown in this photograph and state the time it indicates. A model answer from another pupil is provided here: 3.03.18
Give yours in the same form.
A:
2.15.55
